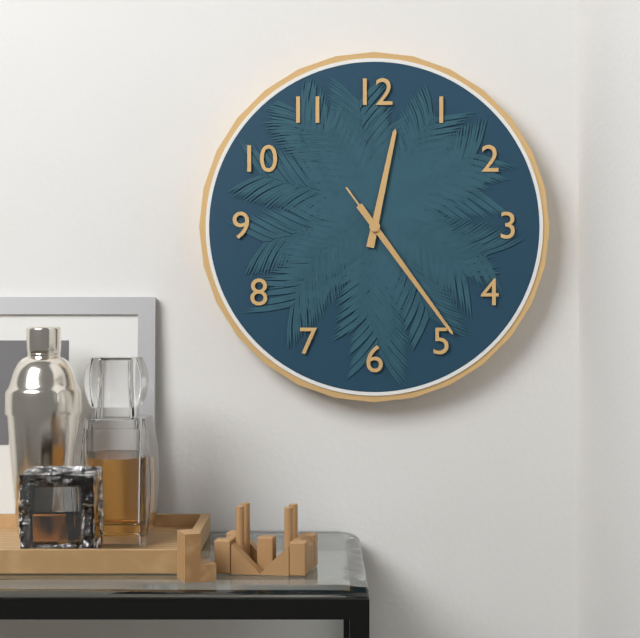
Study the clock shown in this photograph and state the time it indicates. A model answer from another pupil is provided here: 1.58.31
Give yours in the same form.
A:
12.24.24
